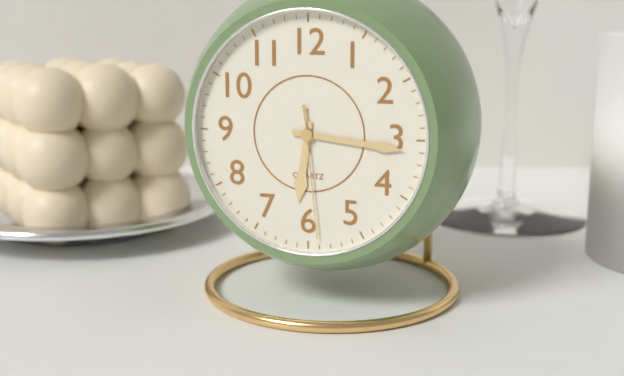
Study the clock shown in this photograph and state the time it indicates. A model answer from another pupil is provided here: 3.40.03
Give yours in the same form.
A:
6.16.29
